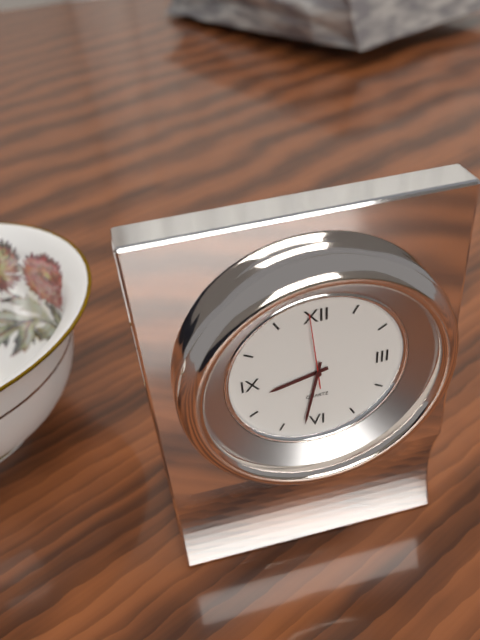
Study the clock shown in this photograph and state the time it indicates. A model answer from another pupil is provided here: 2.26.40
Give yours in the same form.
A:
8.32.59
